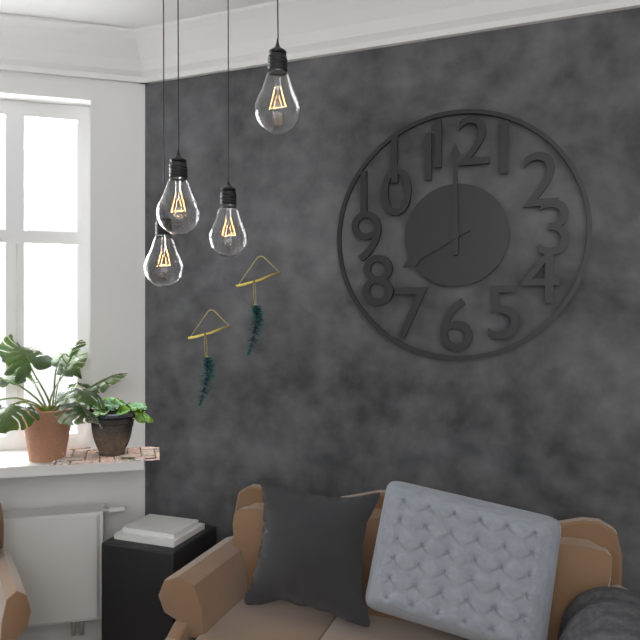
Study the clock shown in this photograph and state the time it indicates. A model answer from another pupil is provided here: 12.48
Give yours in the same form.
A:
8.00
